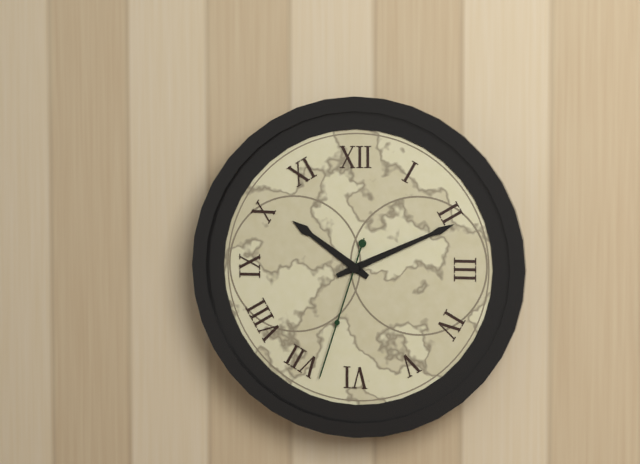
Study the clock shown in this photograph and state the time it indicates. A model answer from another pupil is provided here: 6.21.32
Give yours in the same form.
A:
10.11.33
